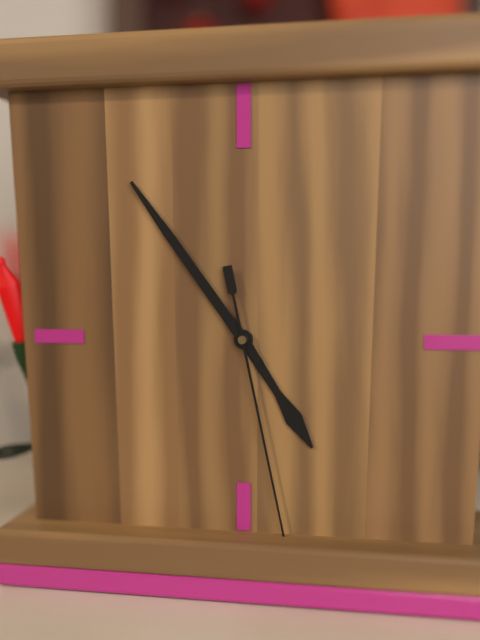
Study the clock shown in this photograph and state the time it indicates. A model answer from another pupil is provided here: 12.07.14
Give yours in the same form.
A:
4.54.28
